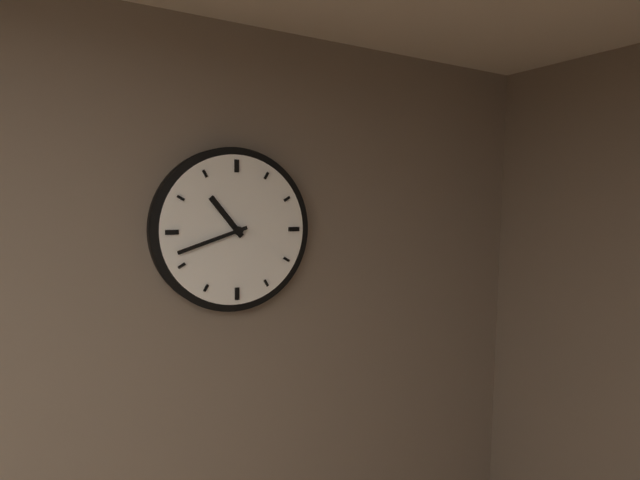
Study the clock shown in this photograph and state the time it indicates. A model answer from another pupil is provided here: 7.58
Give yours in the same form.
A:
10.42
